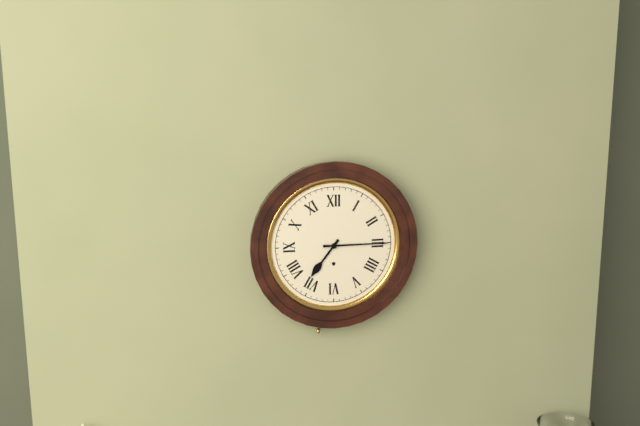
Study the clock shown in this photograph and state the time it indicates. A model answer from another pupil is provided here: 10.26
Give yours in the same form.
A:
7.15
